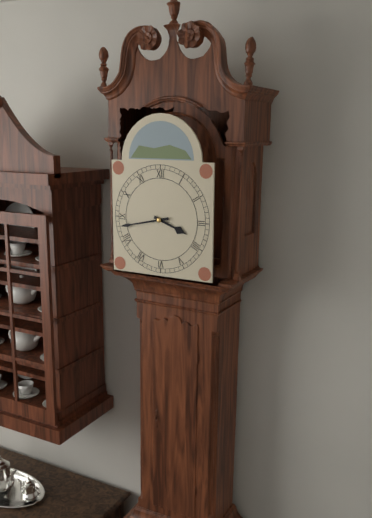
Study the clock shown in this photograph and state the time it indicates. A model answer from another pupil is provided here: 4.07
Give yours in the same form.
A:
3.43
